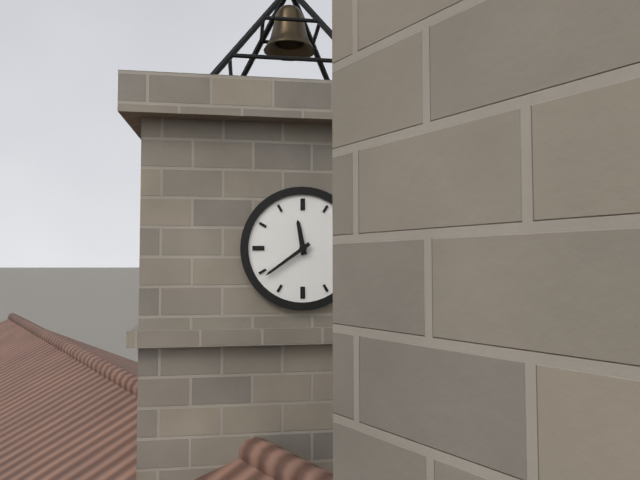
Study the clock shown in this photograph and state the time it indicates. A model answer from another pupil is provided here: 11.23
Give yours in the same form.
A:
11.39
